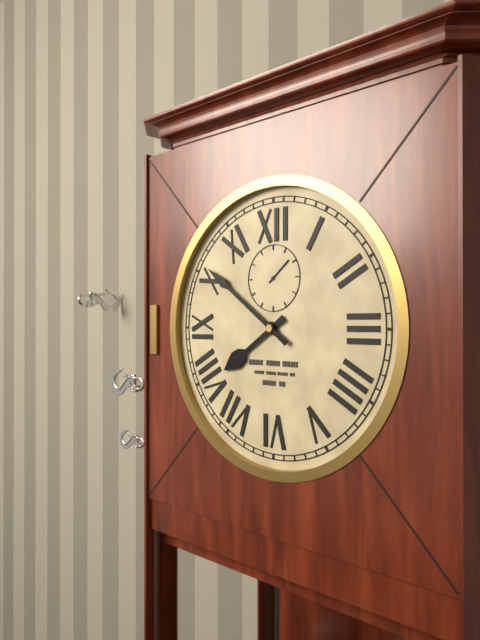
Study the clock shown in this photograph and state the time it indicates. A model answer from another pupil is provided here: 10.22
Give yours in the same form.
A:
7.51
